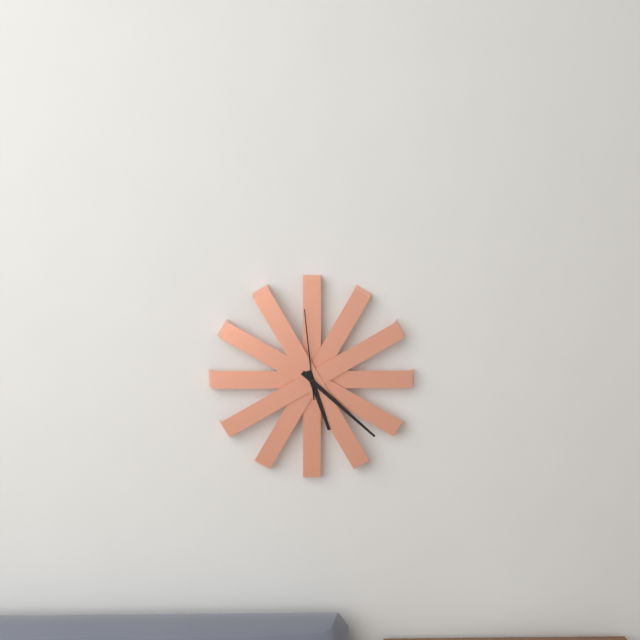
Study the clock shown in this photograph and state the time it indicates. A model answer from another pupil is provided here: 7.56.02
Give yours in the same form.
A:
5.22.59
